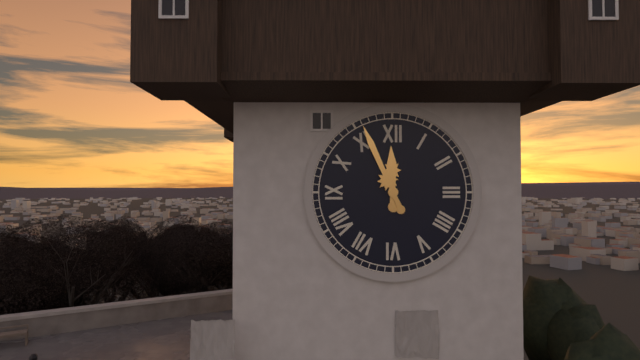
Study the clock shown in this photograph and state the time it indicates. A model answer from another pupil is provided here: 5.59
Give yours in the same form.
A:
11.56
